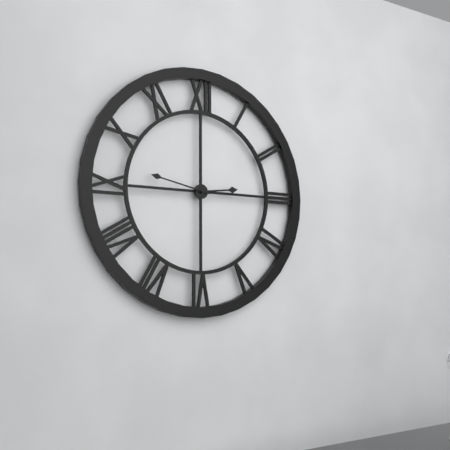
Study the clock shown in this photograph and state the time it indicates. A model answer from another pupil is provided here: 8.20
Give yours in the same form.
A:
2.47
